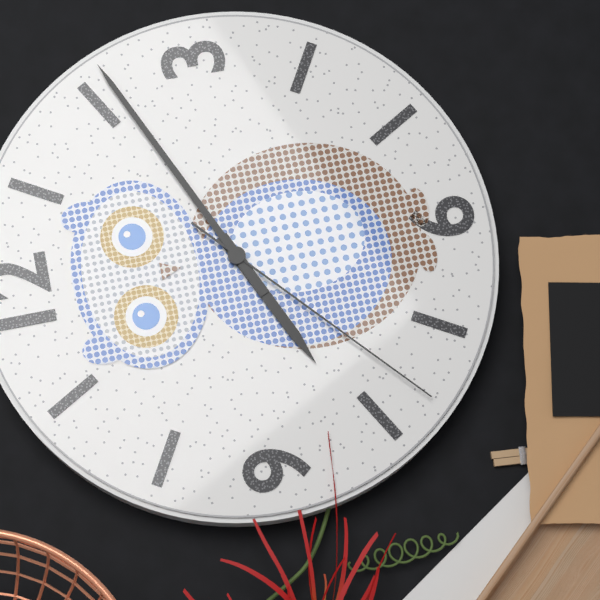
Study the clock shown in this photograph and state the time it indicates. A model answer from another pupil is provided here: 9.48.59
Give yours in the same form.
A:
8.11.38
